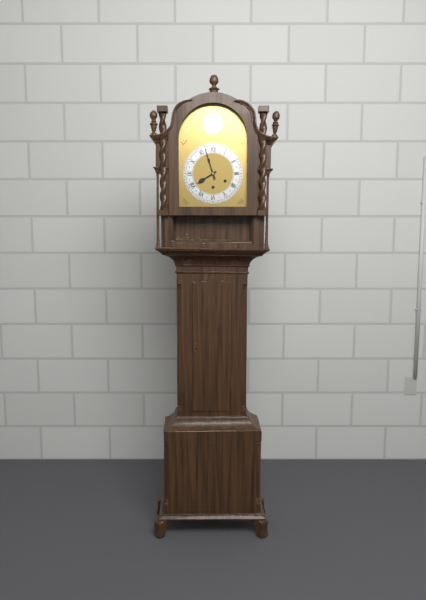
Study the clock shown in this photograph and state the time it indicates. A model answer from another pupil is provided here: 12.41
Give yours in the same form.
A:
7.57
